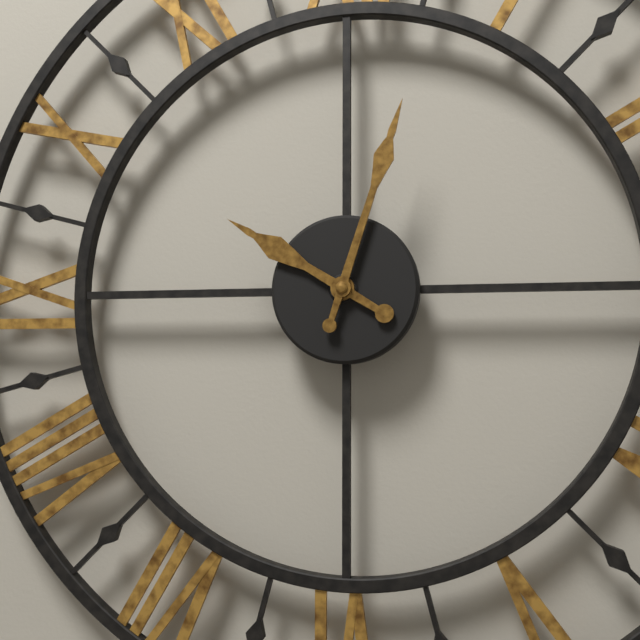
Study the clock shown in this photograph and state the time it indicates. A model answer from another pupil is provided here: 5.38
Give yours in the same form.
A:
10.03
